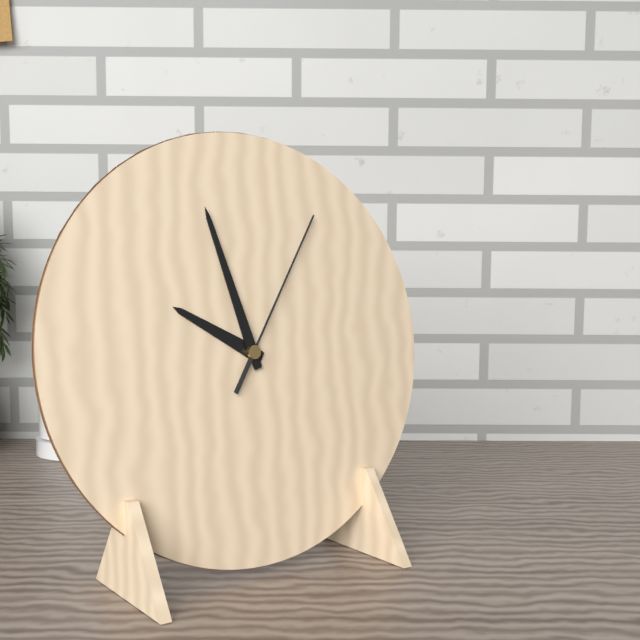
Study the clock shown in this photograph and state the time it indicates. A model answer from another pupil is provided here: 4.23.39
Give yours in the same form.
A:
9.57.05
